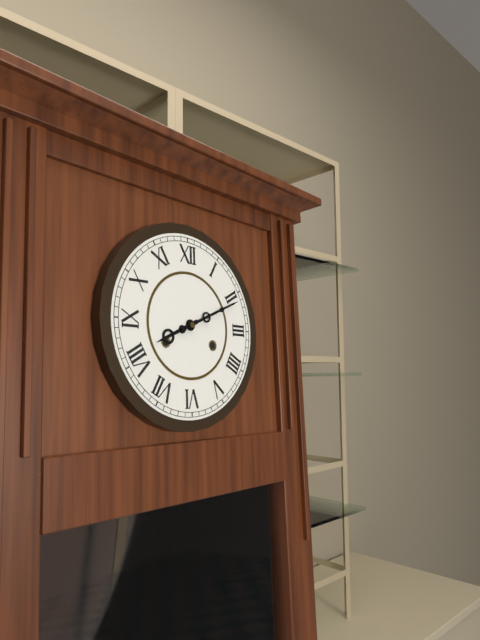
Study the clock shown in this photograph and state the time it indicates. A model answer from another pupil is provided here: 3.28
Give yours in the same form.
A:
8.11
